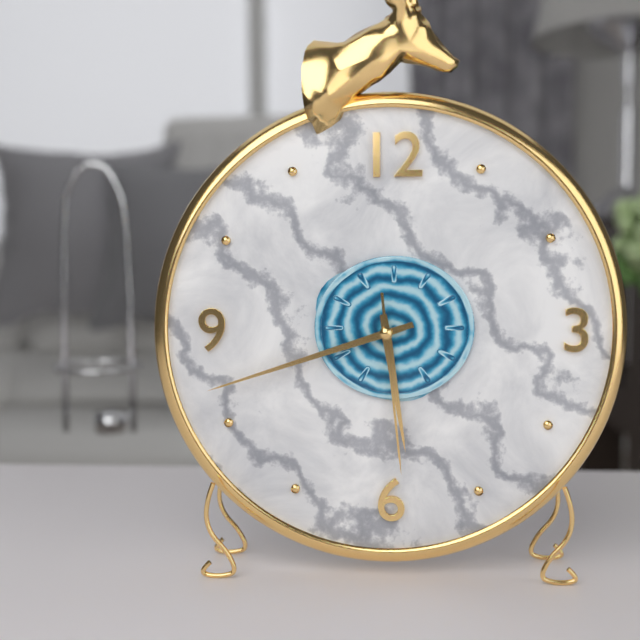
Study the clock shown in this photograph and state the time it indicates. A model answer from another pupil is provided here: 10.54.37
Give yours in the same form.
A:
5.42.29
